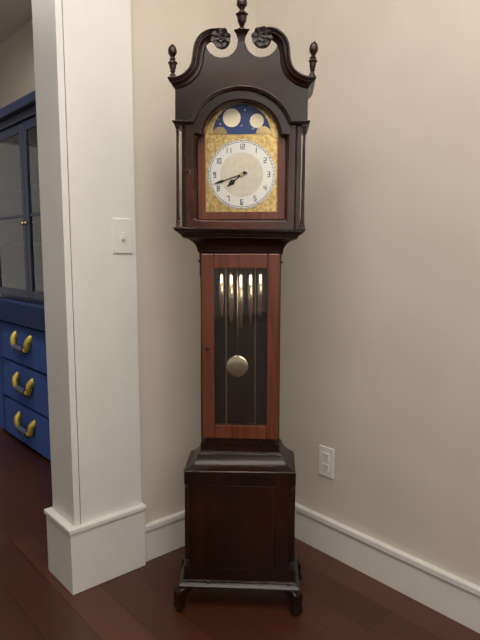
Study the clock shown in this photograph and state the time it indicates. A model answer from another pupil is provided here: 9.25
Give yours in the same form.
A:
7.42
